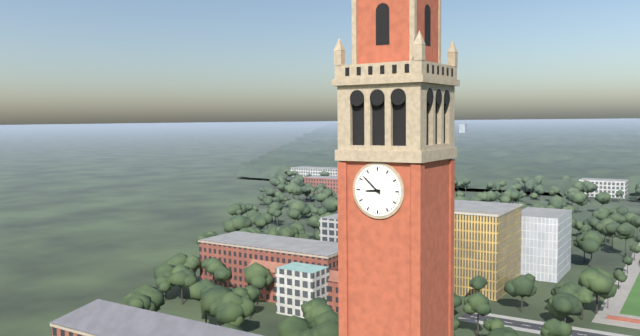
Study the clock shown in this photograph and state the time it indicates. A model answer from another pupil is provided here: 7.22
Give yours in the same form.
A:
8.52
